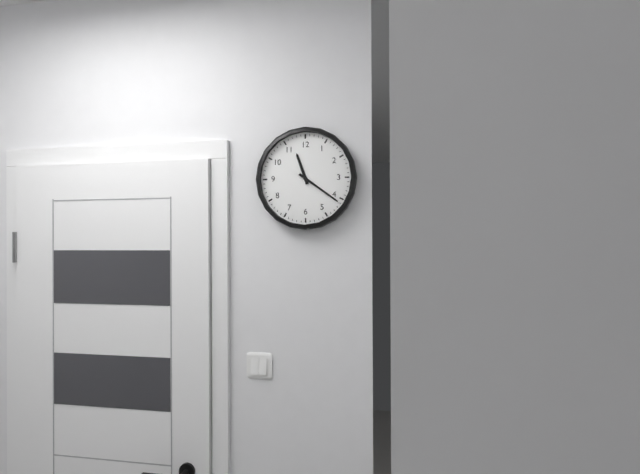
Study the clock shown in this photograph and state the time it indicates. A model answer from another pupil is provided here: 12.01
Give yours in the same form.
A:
11.21
